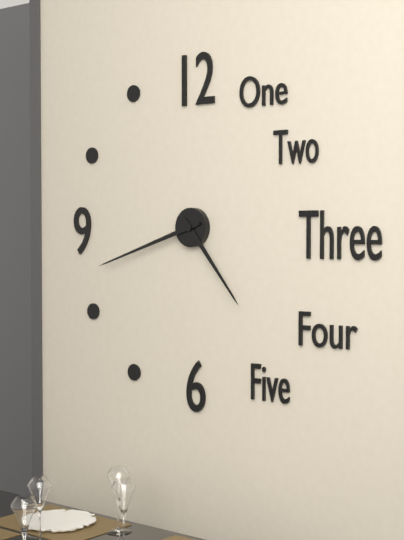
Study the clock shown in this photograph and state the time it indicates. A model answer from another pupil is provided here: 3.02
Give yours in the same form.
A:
4.42
